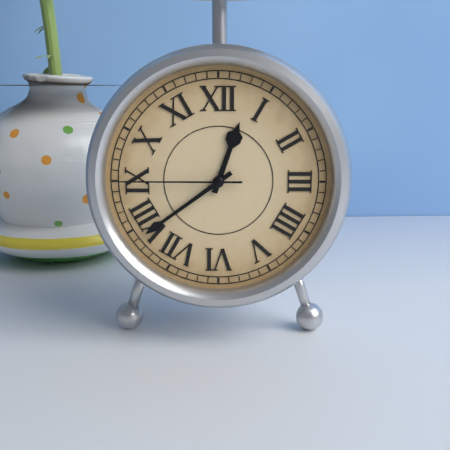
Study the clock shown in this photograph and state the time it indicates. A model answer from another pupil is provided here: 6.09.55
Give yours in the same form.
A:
12.39.45
